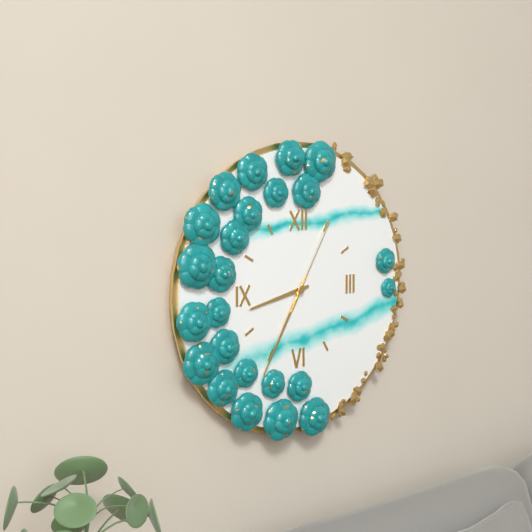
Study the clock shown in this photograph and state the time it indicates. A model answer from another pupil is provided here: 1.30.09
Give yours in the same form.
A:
8.35.05
